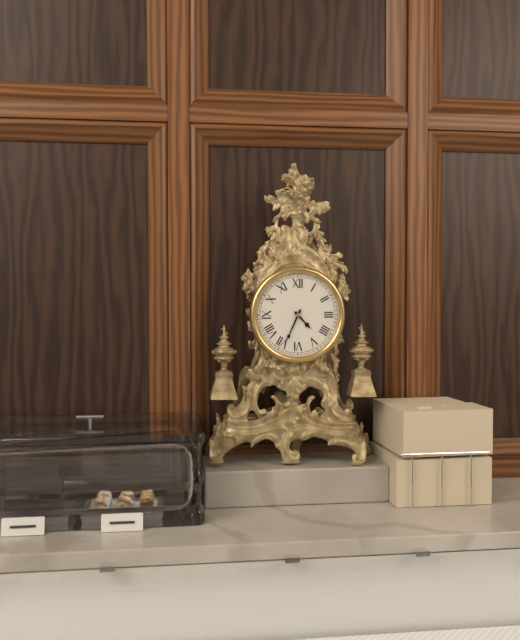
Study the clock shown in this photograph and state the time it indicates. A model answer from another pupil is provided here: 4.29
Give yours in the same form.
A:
4.34
